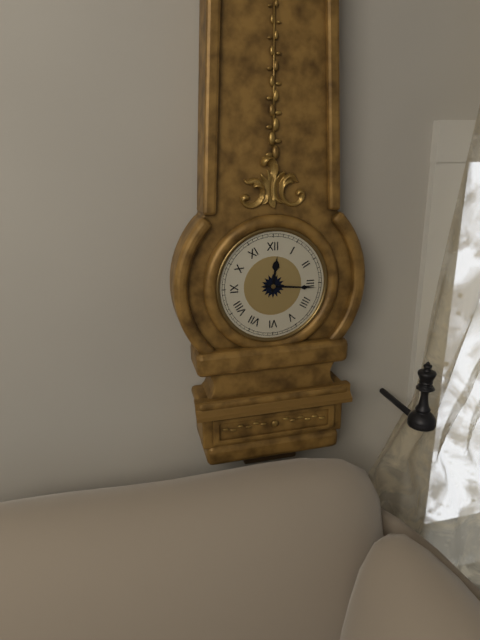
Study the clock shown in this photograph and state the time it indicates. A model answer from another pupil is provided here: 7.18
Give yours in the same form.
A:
12.16
